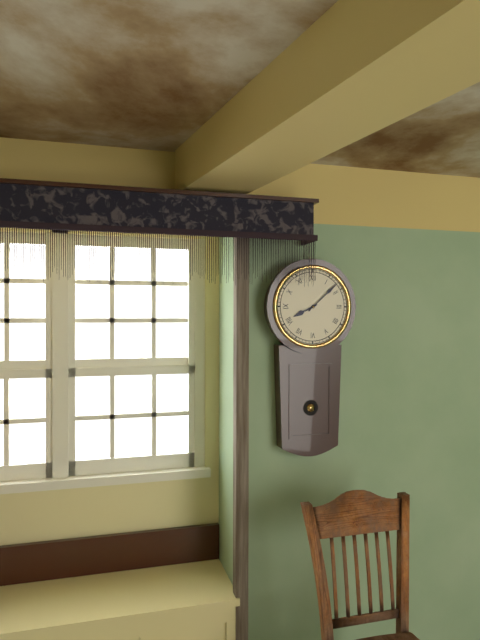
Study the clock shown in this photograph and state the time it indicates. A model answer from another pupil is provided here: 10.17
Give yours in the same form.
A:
8.08
